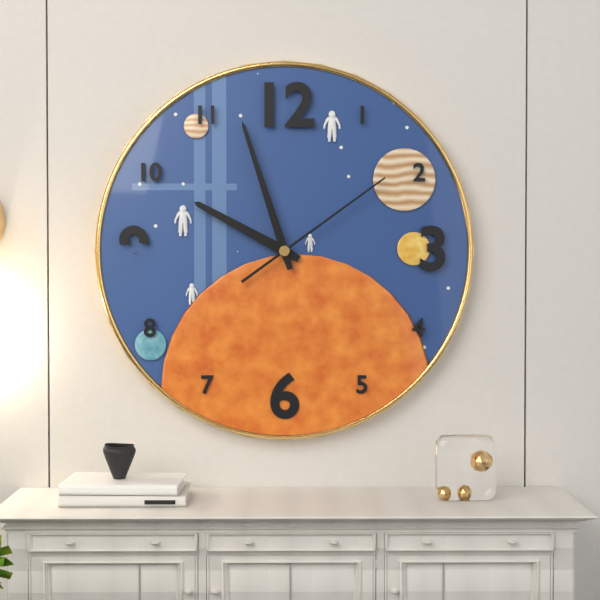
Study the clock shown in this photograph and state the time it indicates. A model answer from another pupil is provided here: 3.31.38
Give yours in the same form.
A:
9.57.09
